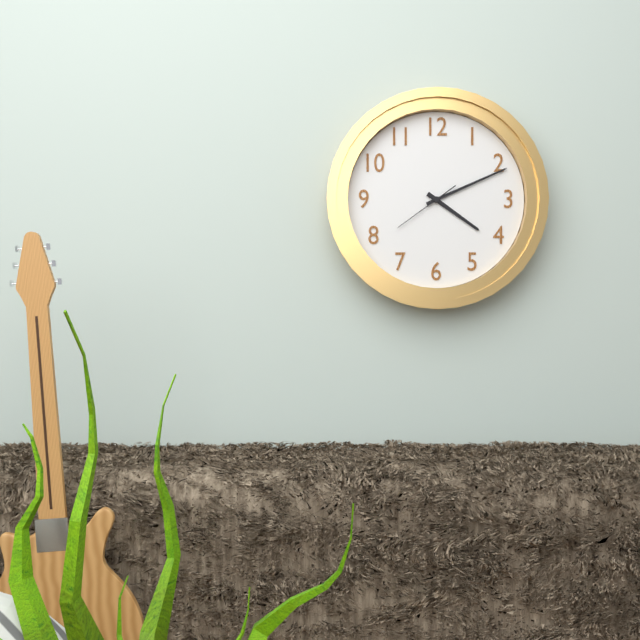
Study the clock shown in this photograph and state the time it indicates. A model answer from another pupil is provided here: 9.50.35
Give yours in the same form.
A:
4.11.39
